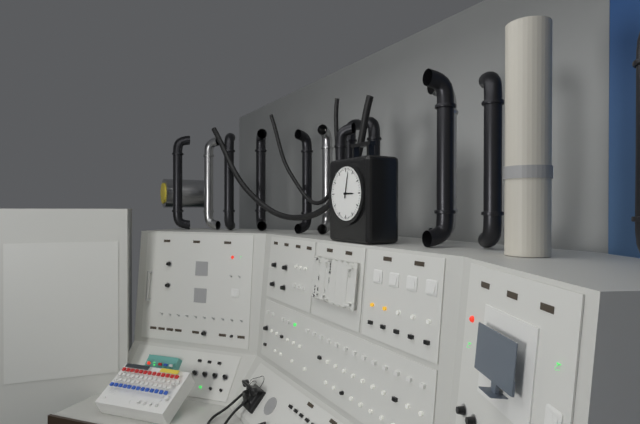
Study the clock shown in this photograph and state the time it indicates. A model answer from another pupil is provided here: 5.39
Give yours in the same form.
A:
3.02
